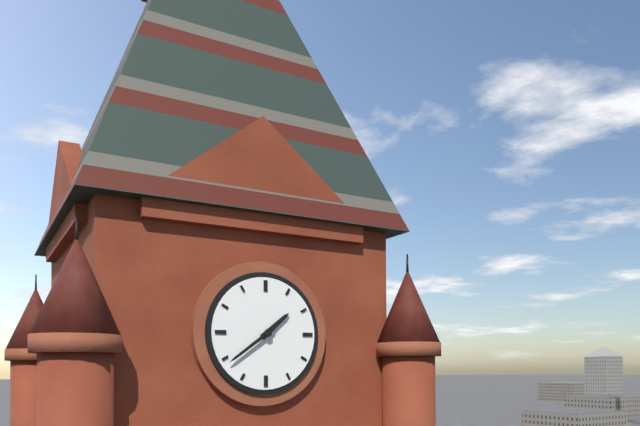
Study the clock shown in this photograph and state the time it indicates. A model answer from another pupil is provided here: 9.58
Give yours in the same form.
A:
1.39
